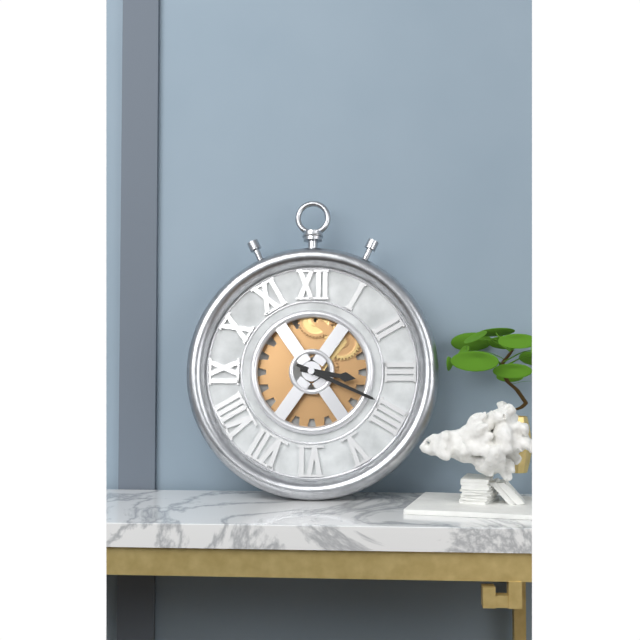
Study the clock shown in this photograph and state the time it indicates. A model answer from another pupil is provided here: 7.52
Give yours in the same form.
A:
3.19
